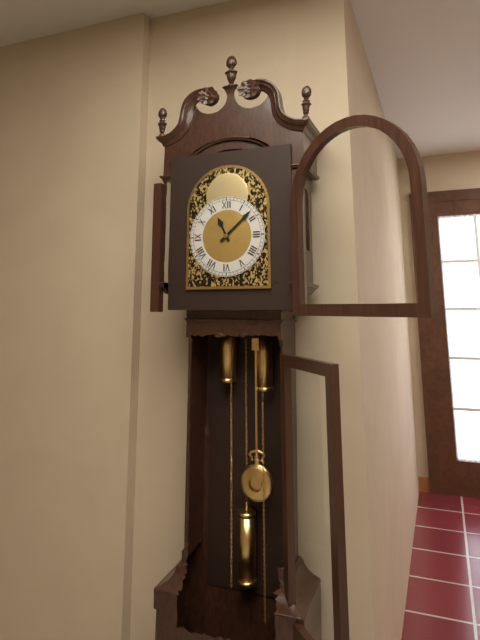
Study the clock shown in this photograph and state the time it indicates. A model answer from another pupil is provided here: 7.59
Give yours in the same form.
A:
11.08
